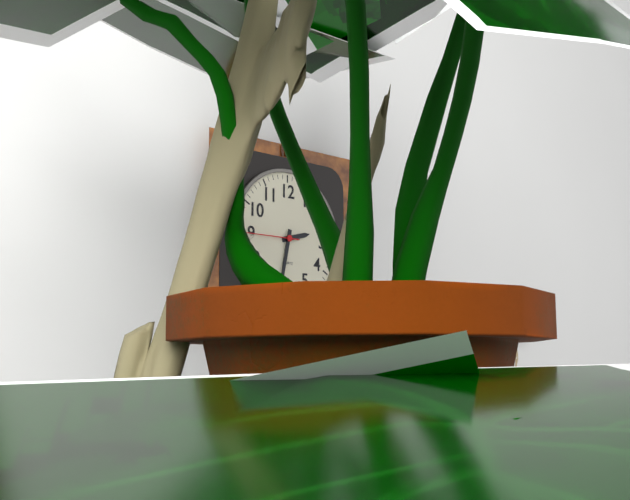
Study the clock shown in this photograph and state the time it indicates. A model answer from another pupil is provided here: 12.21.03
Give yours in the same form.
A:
2.32.45
